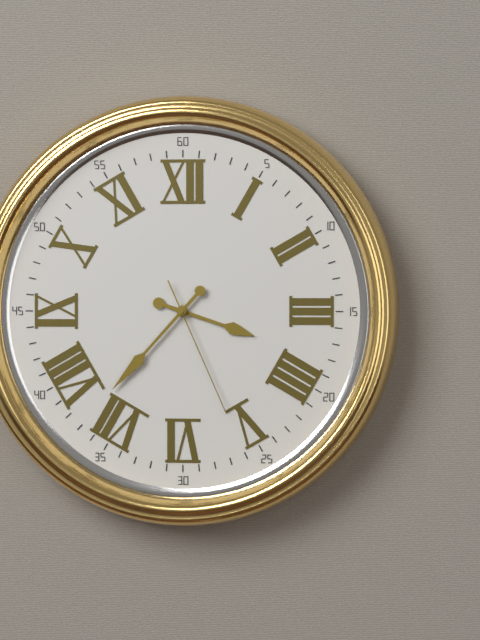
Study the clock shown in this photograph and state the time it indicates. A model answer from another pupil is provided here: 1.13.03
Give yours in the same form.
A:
3.37.26
